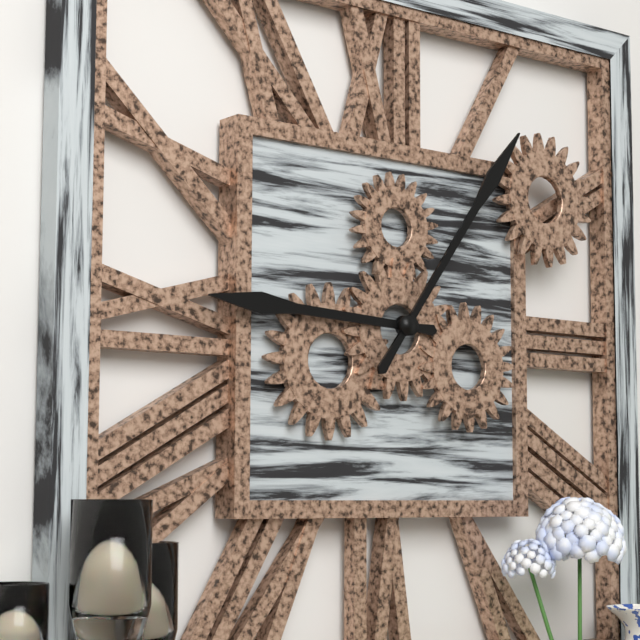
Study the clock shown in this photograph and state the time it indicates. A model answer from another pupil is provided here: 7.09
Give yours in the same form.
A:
9.06
